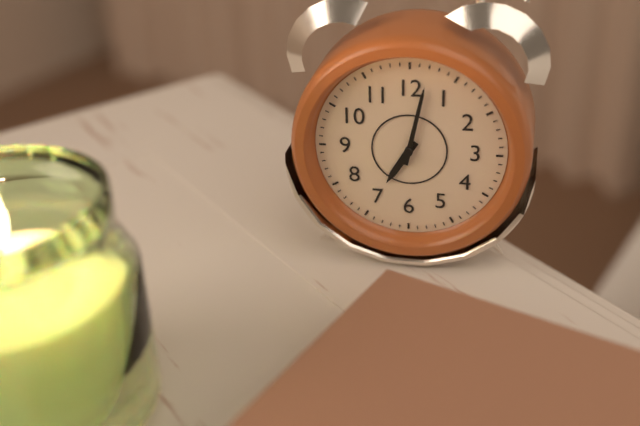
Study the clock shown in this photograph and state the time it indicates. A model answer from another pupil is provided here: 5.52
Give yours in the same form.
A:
7.02
